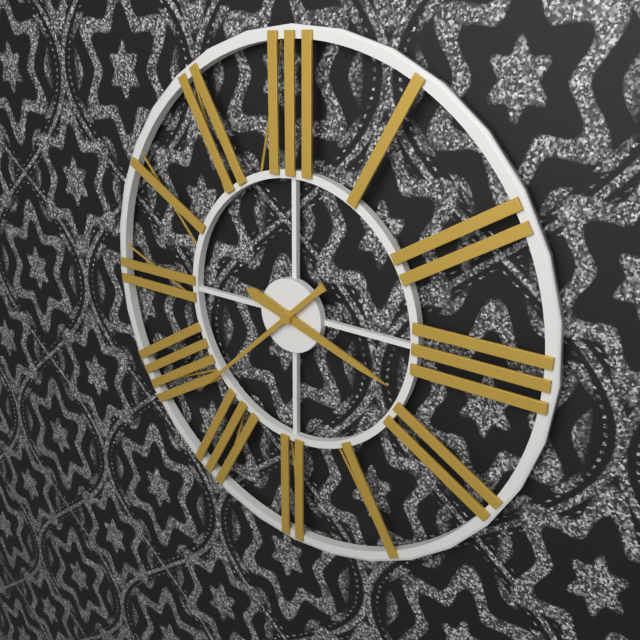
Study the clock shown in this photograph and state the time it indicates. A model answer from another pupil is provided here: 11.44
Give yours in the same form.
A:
3.38
